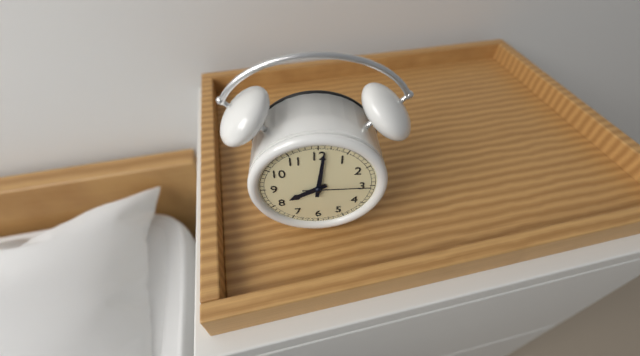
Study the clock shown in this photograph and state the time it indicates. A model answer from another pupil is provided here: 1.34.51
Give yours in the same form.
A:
8.01.15
